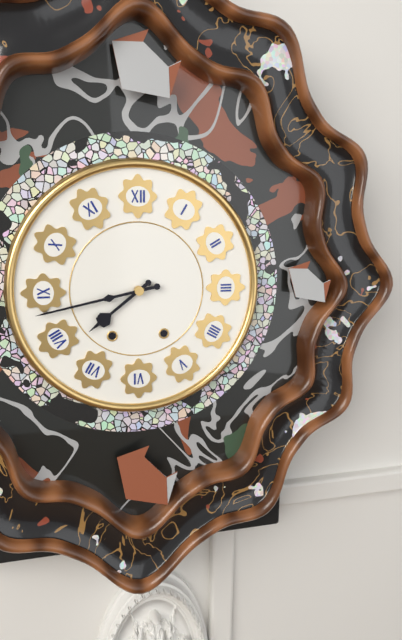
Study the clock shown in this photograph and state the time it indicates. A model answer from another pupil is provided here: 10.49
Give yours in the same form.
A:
7.43
